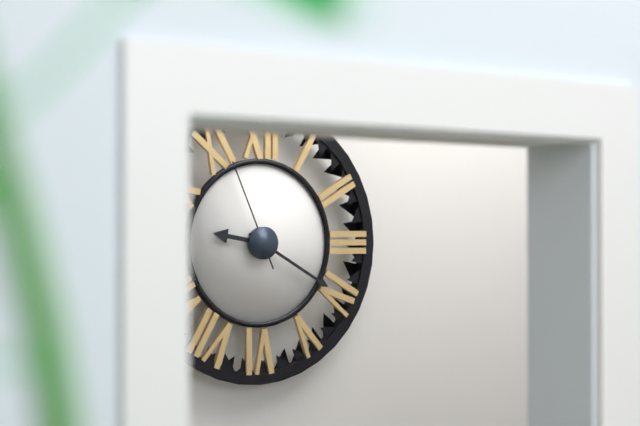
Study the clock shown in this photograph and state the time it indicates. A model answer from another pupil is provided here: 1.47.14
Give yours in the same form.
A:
9.20.56
